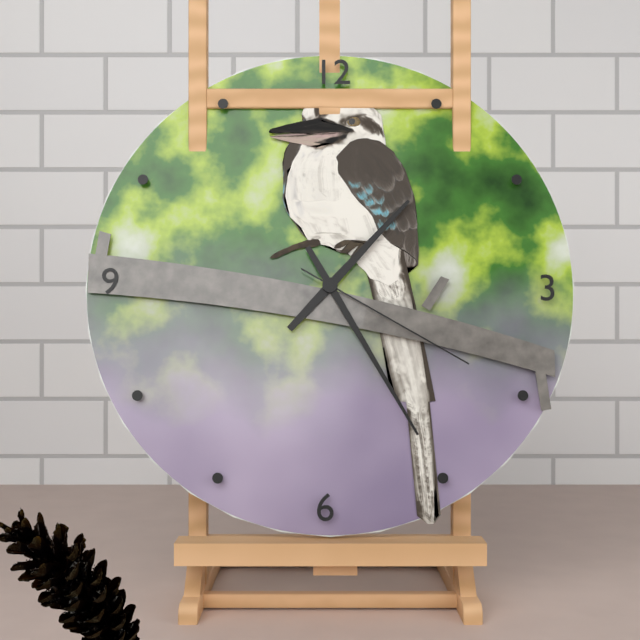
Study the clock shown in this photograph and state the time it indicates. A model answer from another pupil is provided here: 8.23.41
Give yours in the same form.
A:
1.25.20
